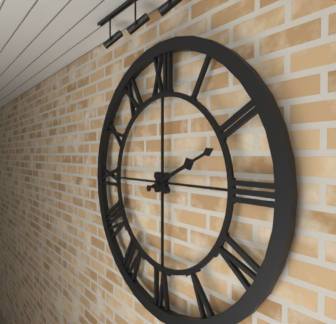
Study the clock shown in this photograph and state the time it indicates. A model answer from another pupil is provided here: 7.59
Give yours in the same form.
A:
2.11
